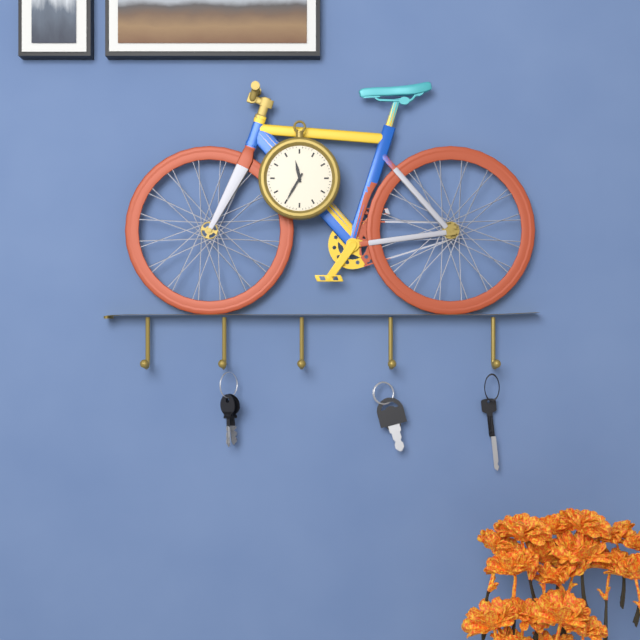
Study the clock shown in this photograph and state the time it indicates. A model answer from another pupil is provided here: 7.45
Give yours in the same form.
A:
11.35
